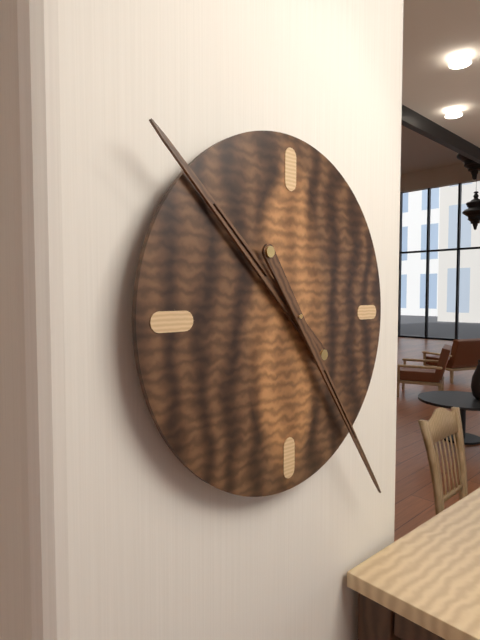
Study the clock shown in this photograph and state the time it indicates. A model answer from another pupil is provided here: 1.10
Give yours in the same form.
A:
10.24
